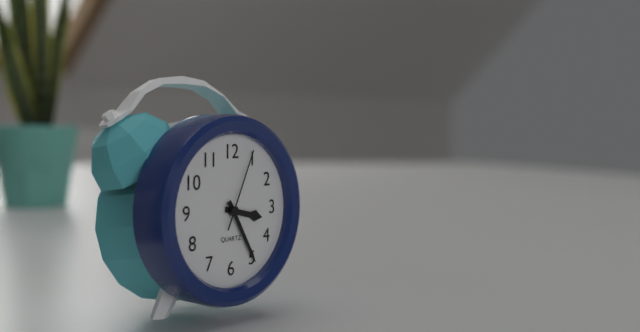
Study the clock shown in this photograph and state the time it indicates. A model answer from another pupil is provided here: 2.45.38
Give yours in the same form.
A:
3.25.04
